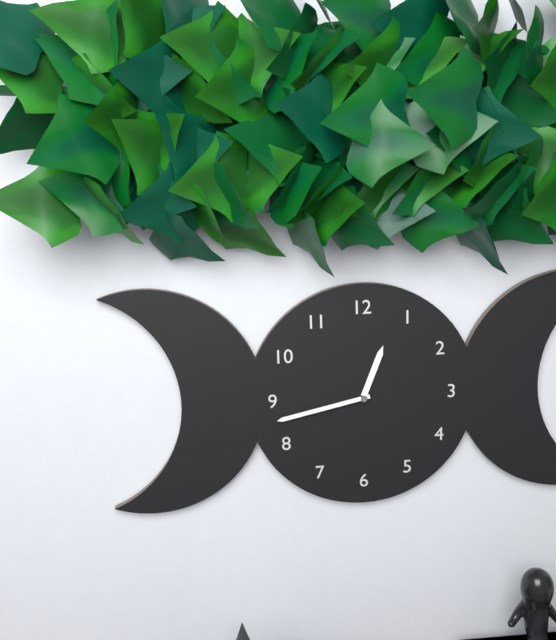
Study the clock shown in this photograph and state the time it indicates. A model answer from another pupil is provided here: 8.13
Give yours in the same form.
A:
12.43
